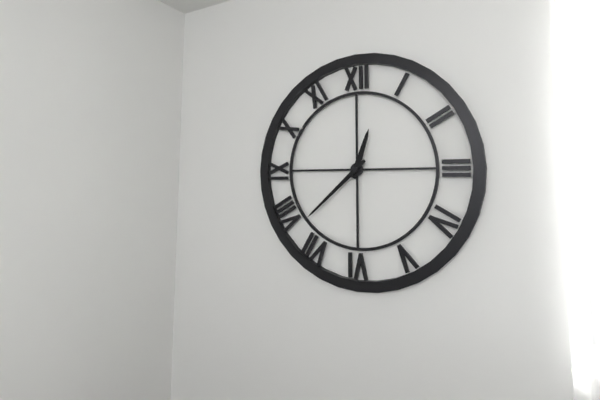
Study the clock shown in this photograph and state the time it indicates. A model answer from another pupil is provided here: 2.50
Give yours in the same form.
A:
12.38
